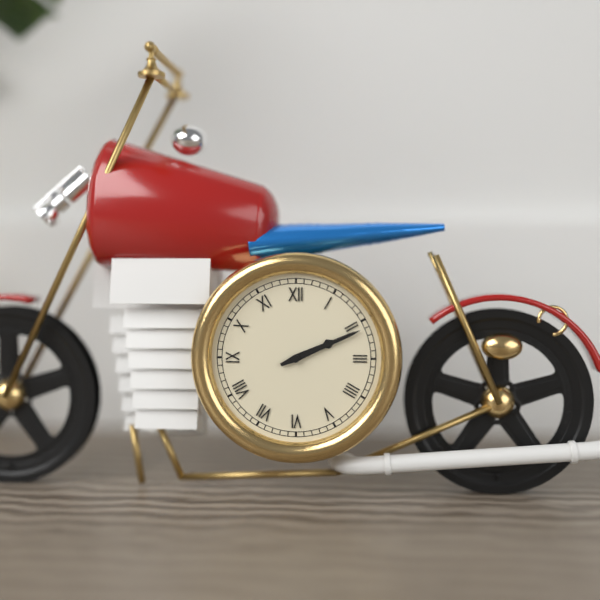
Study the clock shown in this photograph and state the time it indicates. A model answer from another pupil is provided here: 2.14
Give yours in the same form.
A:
2.11
